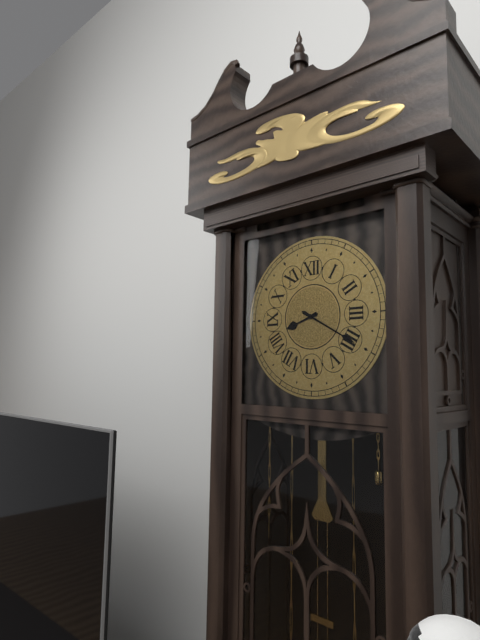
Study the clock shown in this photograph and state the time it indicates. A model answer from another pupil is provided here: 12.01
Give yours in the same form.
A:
8.20
